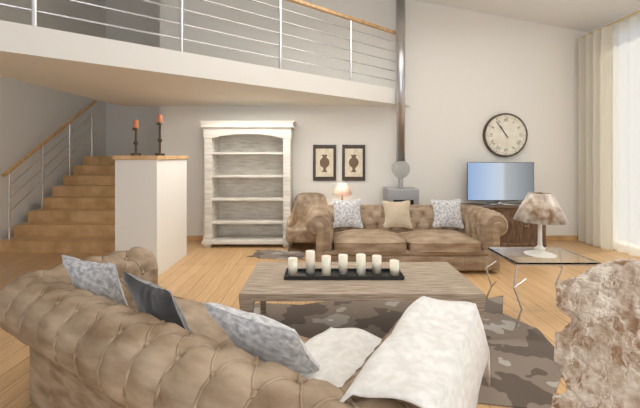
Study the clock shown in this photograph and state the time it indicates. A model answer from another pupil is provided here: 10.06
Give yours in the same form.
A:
10.54
